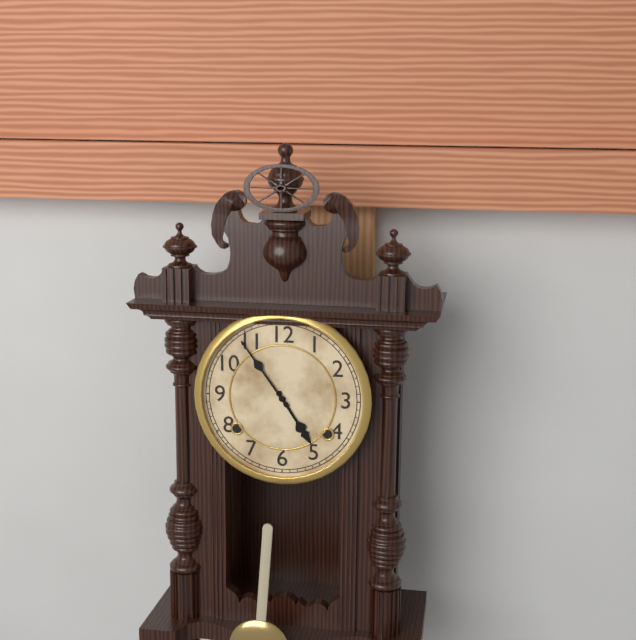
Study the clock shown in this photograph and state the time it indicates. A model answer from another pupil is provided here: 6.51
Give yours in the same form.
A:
4.54
